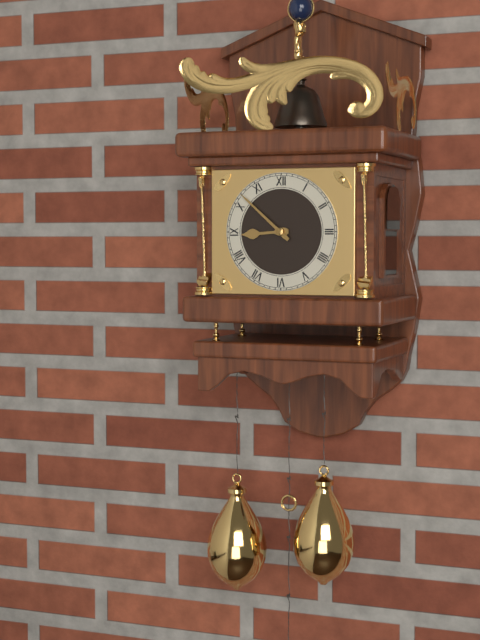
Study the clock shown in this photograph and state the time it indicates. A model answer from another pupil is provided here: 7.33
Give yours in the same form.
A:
8.52
